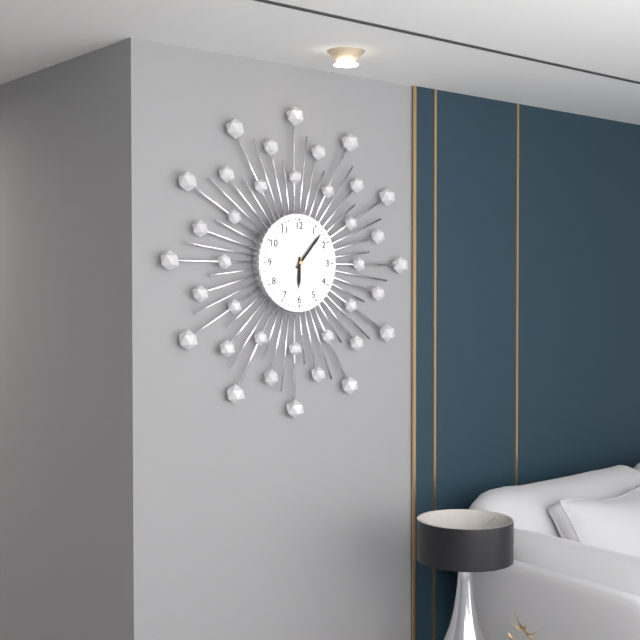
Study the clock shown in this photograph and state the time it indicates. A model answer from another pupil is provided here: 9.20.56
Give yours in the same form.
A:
6.07.30
